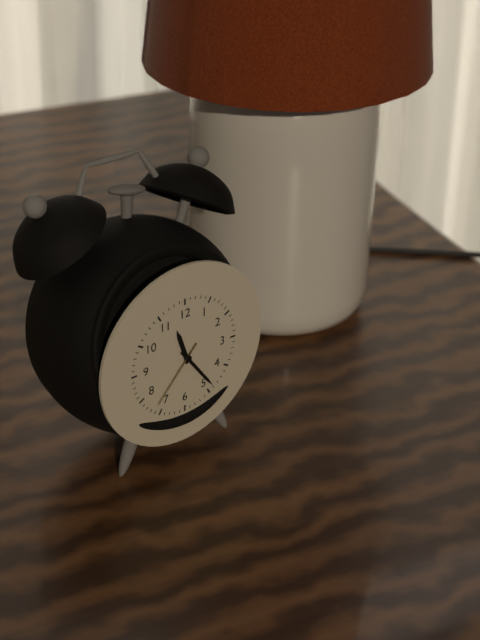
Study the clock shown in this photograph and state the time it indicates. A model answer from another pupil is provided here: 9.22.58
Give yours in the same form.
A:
11.24.37
